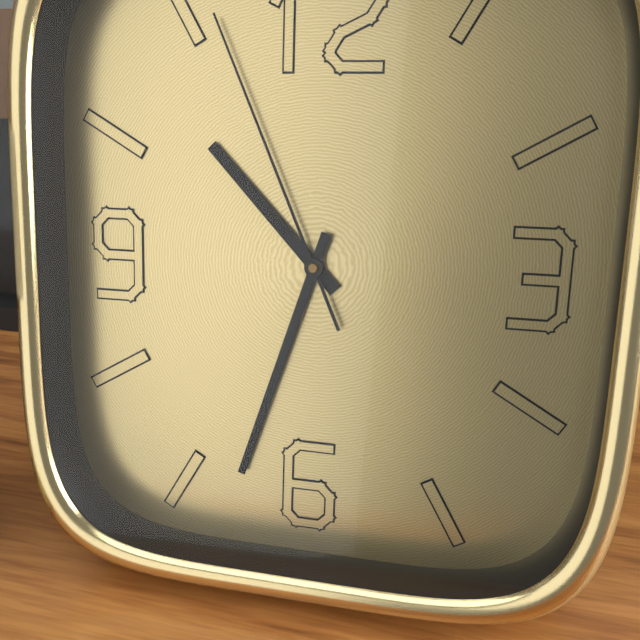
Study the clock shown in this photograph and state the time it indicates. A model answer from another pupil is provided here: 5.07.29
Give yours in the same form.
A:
10.33.56
